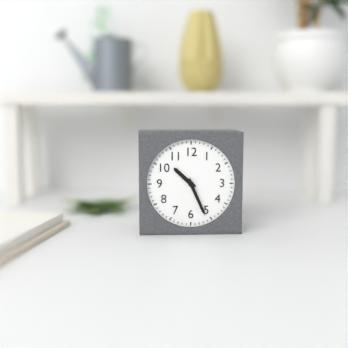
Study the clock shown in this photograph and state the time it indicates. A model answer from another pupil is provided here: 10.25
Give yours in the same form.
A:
10.26
